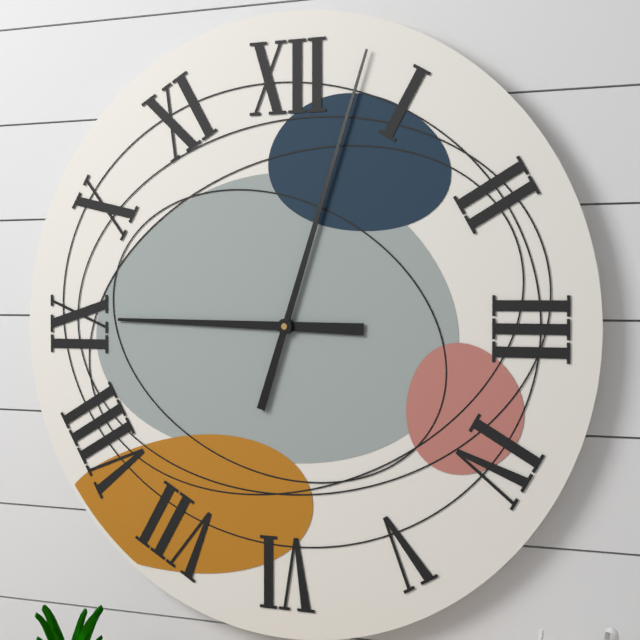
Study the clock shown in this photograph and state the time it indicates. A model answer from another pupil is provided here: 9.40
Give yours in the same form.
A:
9.03
